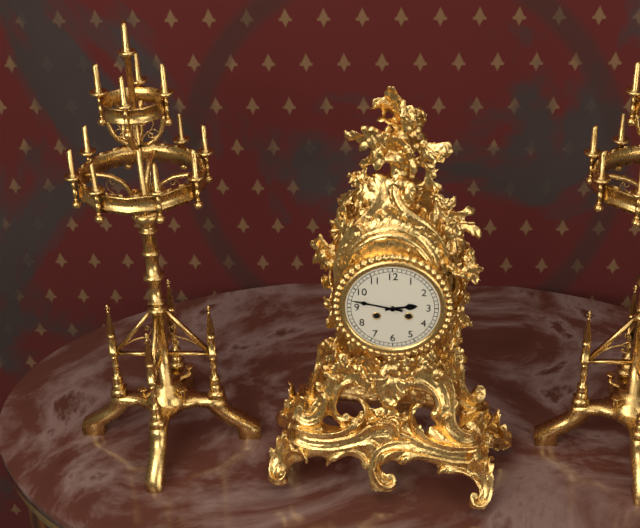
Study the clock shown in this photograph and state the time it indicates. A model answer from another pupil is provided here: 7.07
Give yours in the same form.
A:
2.47
